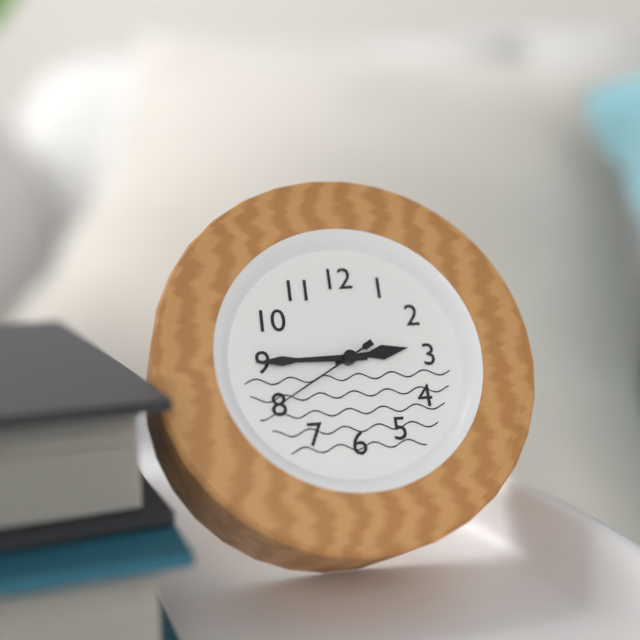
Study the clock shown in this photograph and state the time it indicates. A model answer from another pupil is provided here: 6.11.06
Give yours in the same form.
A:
2.45.40
